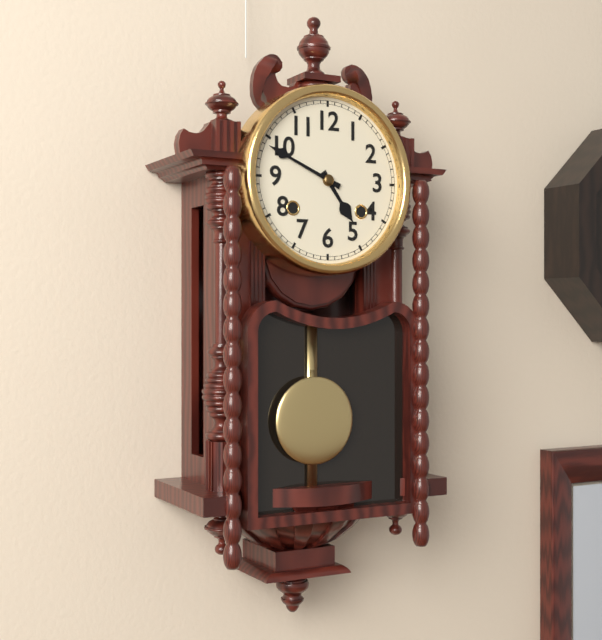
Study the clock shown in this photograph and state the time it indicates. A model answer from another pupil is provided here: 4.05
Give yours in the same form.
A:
4.49
